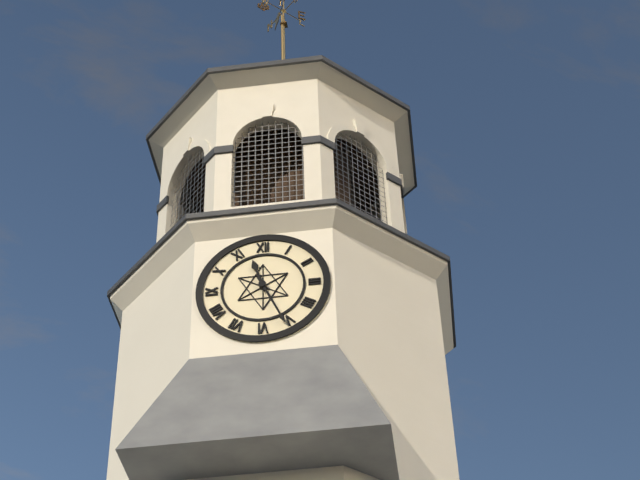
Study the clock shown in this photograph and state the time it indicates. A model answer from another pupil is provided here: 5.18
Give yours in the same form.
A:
11.26
